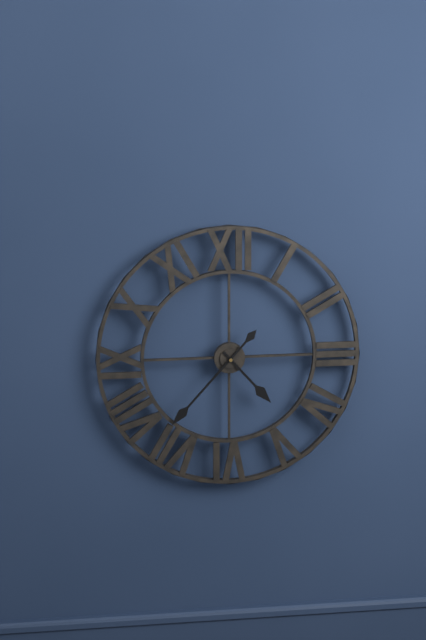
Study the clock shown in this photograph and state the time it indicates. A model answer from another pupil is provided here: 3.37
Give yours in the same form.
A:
4.37
